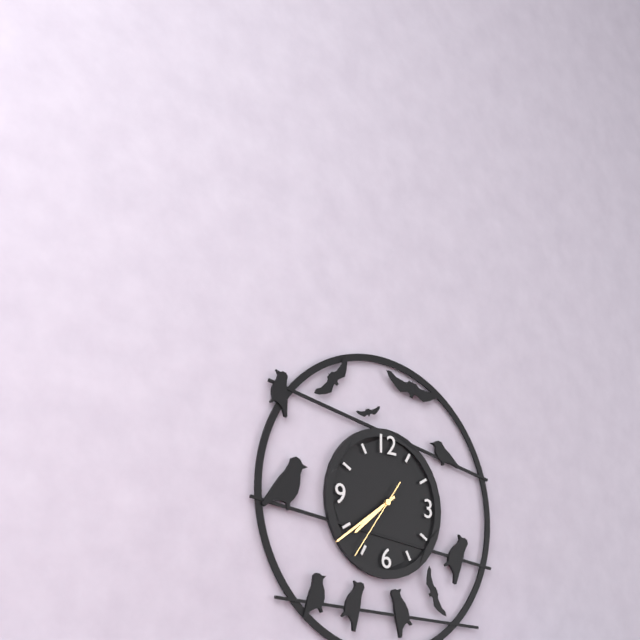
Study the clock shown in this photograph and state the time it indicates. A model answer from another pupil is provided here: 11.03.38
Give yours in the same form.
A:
7.39.36
